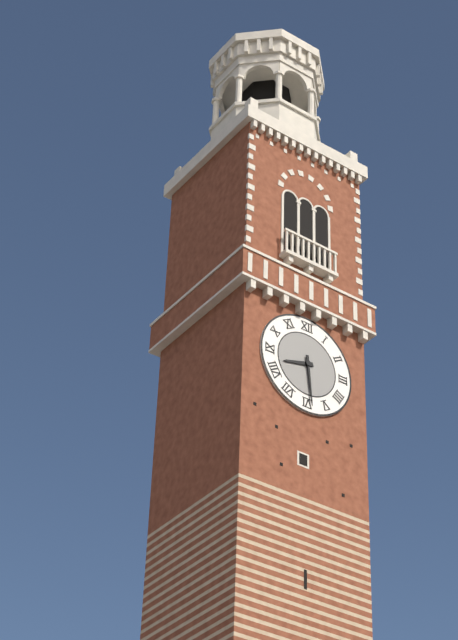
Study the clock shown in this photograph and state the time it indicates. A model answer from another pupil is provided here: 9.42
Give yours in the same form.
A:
8.29
